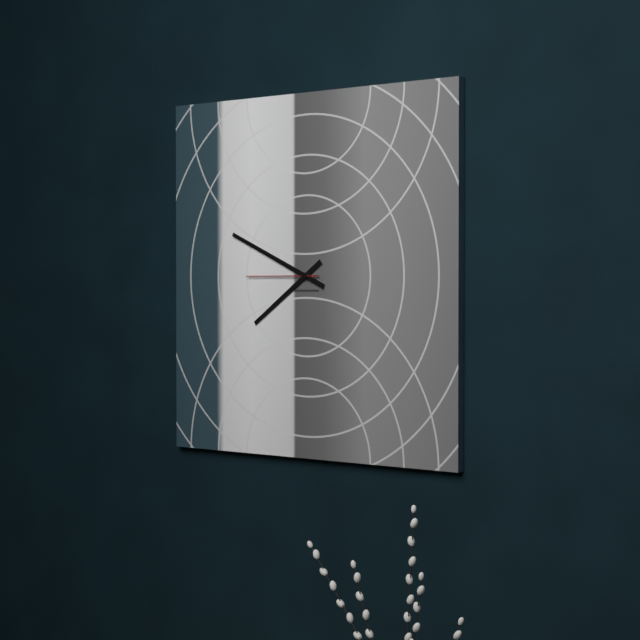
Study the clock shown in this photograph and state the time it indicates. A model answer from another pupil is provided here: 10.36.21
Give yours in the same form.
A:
7.49.45
